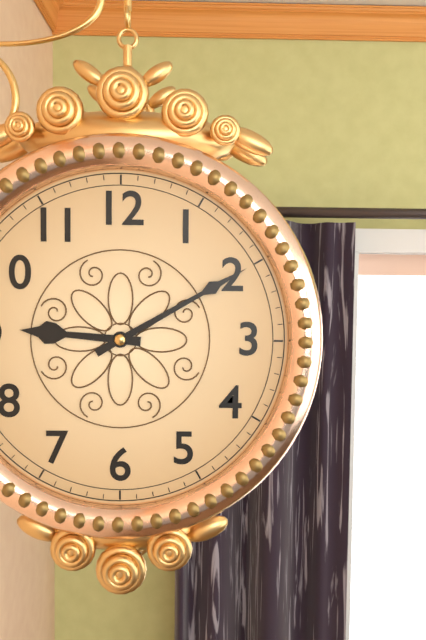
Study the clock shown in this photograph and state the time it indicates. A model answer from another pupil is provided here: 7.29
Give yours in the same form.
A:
9.10
